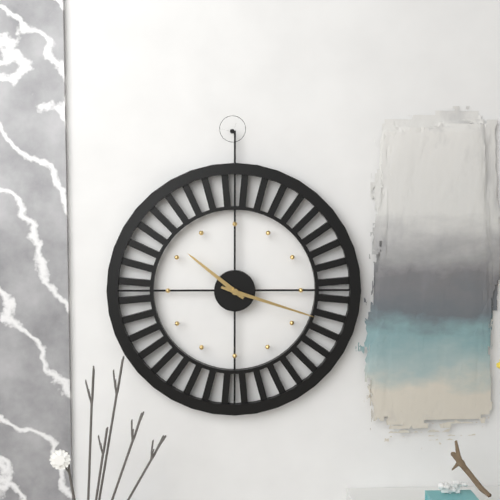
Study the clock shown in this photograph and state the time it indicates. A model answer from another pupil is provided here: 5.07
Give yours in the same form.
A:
10.18
